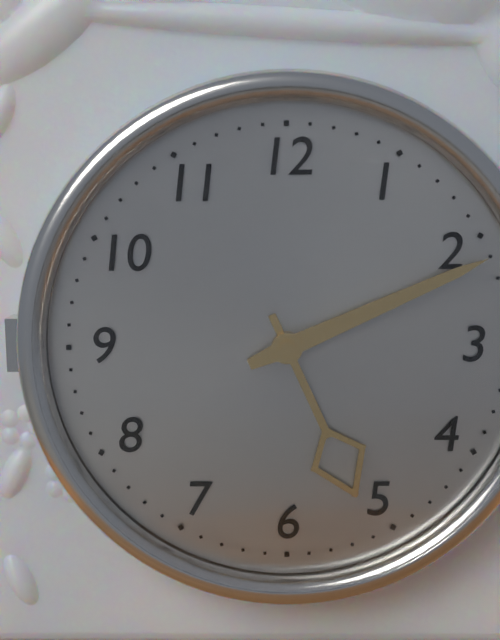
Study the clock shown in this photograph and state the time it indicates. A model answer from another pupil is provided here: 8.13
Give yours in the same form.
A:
5.11
